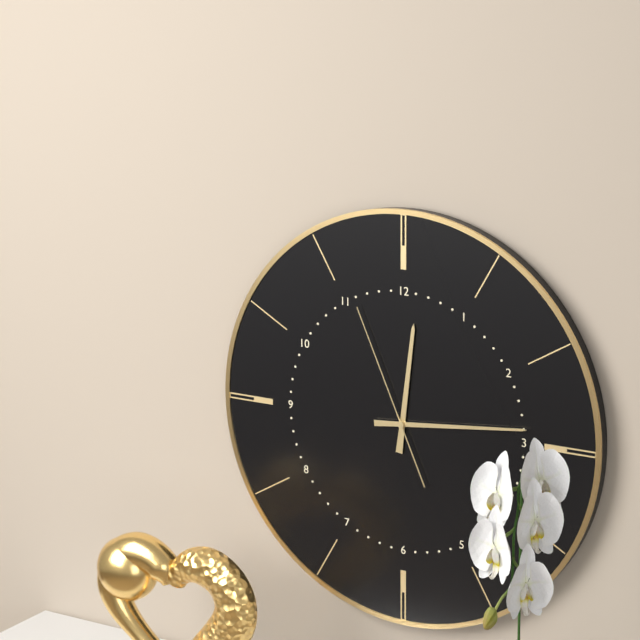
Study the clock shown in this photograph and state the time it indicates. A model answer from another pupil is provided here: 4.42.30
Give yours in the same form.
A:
12.14.56
